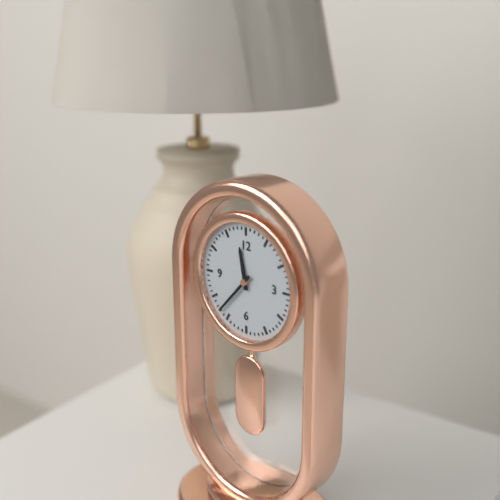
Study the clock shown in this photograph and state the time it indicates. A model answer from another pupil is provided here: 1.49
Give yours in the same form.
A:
11.37
